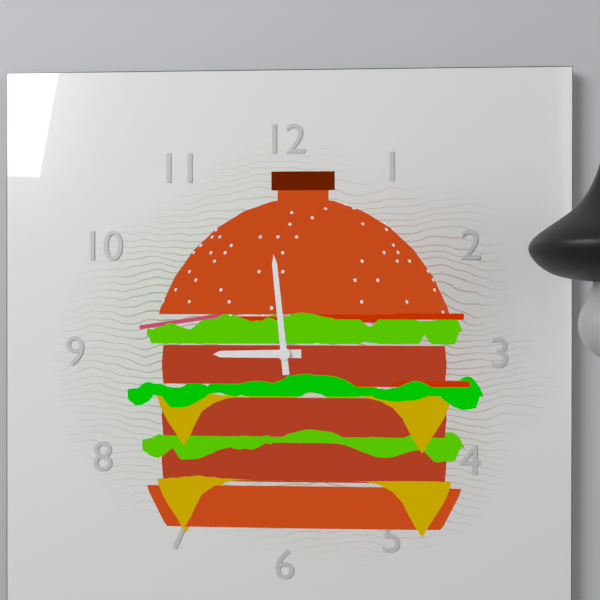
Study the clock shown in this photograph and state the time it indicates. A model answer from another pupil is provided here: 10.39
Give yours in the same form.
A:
8.59
